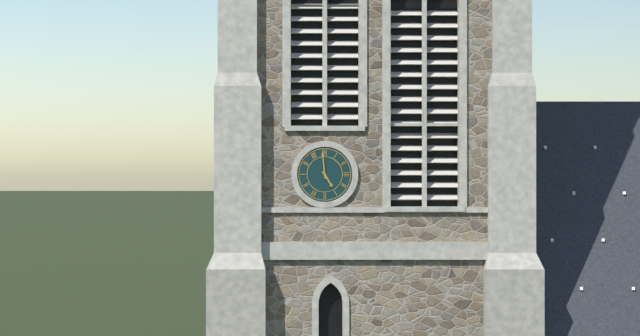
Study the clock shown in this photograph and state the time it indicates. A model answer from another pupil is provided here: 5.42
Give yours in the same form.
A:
4.59
